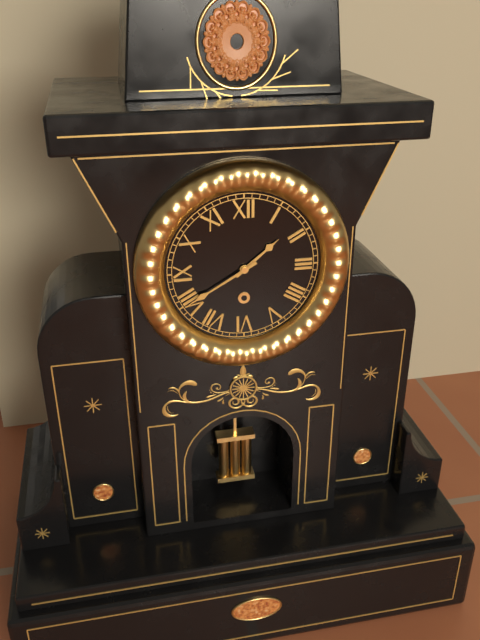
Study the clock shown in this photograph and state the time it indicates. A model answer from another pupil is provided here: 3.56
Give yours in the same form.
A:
1.40
